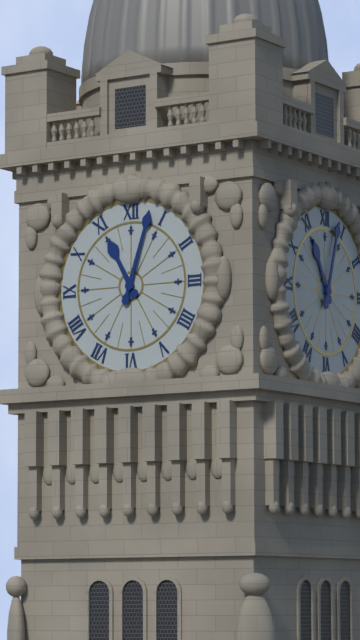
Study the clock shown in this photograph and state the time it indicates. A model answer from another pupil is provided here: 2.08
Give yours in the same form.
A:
11.03
